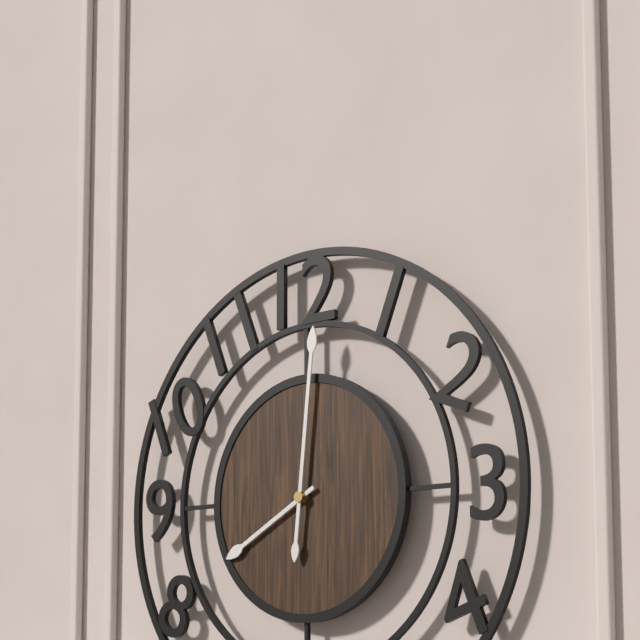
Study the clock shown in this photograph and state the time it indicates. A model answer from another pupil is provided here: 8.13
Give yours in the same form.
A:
8.01
